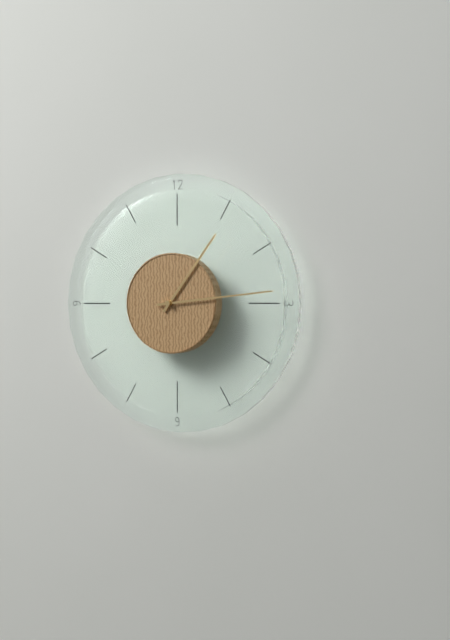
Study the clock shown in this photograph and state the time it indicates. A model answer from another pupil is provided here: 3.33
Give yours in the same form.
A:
1.14
